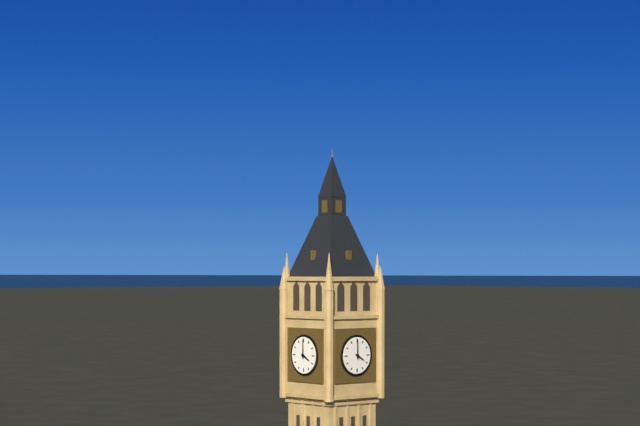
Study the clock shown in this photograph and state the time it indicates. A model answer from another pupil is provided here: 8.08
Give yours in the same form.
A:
4.00
